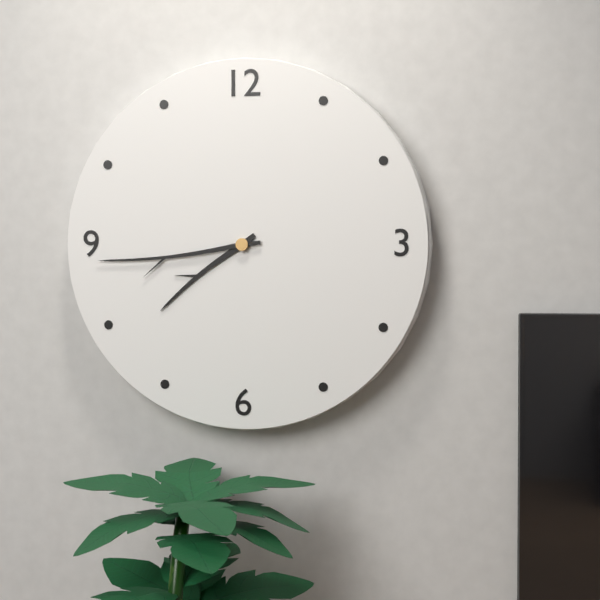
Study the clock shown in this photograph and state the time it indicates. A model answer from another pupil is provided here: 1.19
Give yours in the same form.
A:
7.44
